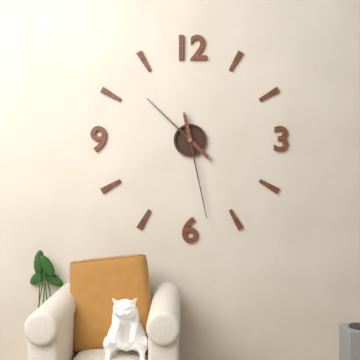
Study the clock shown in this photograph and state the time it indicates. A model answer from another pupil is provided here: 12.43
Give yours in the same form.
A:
10.28
